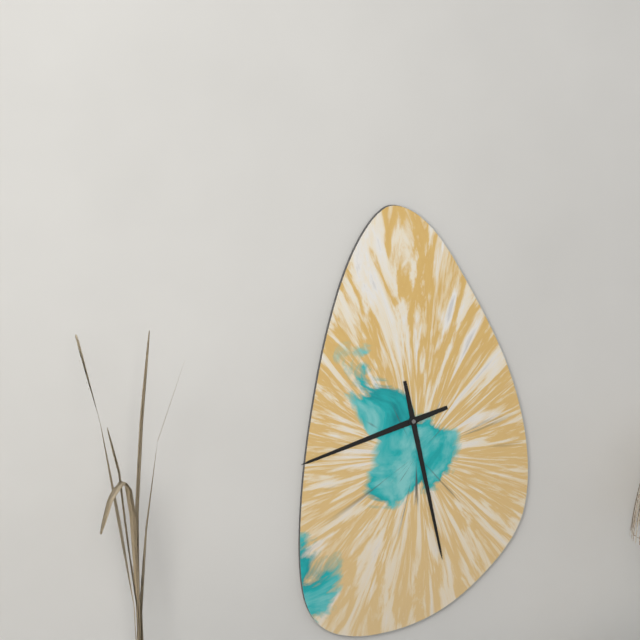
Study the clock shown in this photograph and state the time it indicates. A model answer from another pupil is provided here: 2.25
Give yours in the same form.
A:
8.28
